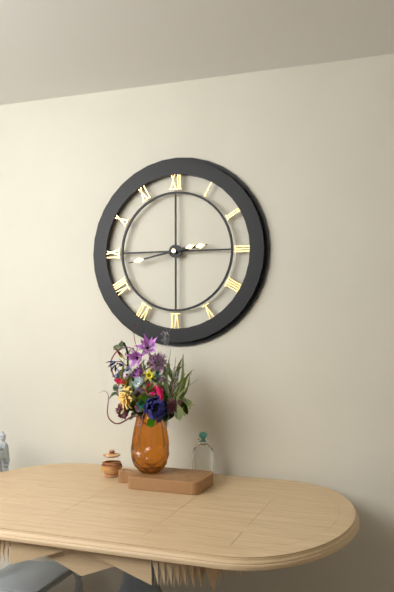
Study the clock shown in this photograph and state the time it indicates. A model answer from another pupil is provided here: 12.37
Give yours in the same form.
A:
2.43
